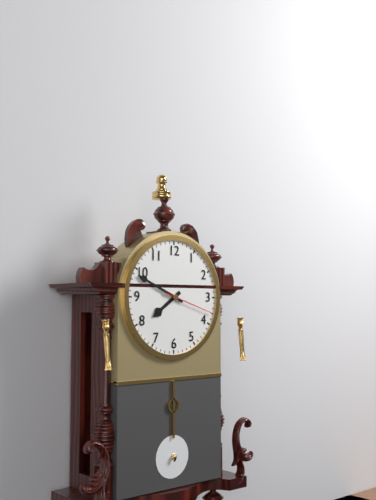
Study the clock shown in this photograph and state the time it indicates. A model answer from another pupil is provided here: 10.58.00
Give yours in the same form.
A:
7.49.18
